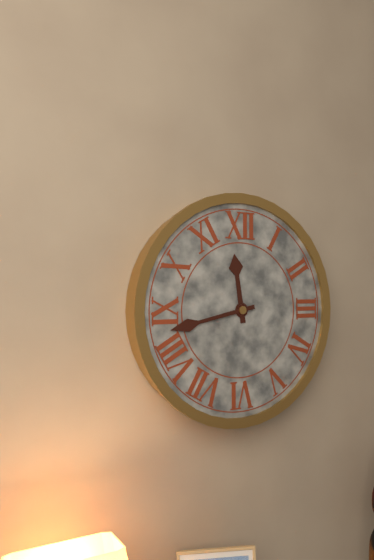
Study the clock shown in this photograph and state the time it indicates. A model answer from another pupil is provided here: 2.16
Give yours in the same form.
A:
11.43
